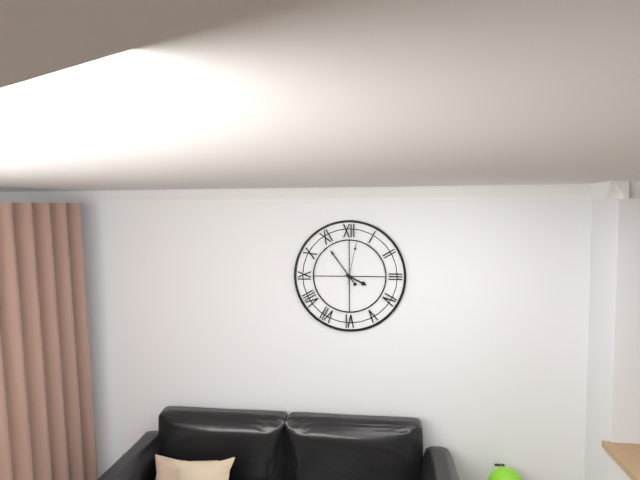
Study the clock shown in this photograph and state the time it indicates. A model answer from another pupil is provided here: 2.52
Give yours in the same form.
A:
3.54
